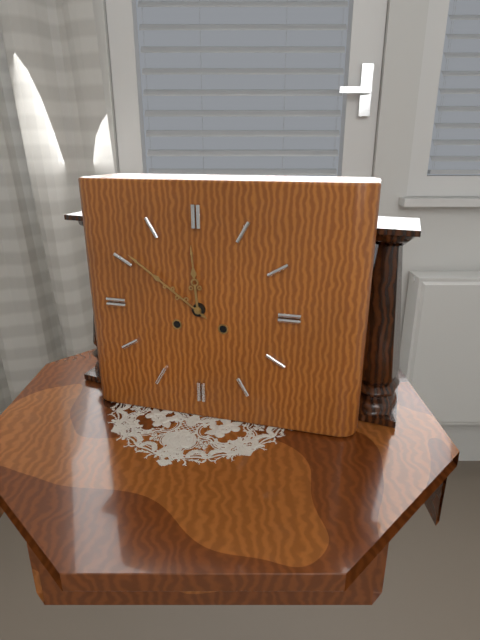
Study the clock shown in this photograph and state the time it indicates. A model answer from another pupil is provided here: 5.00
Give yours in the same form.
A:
11.51
